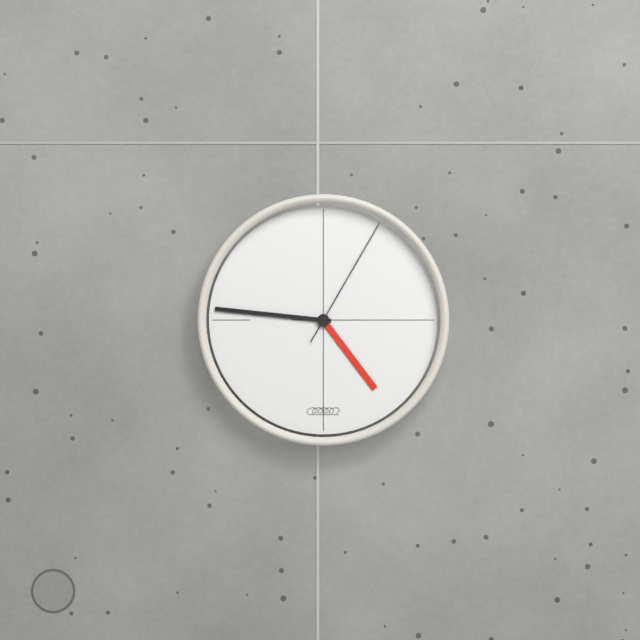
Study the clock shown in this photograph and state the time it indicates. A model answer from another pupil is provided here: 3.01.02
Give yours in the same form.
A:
4.46.05
